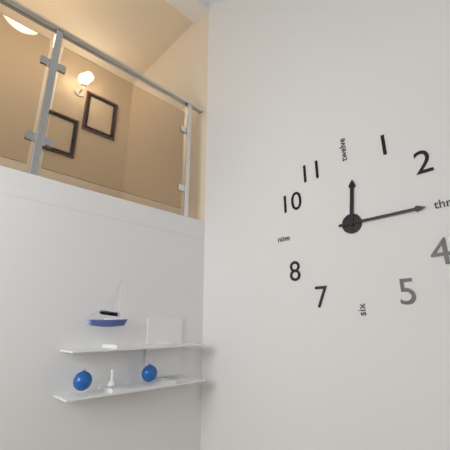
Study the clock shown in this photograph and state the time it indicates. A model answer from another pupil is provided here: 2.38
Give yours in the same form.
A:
12.15
